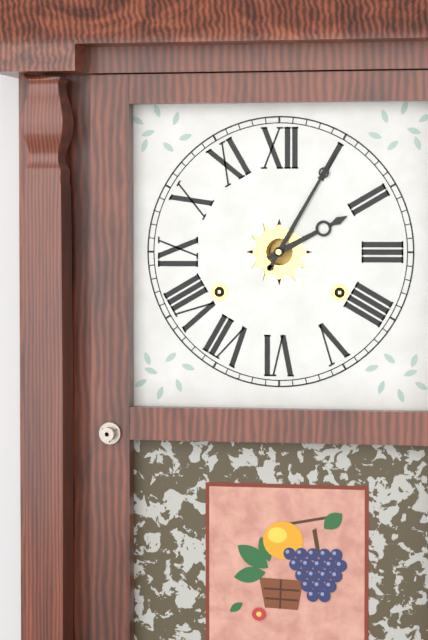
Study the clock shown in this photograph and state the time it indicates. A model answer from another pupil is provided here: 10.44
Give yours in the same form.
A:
2.05
